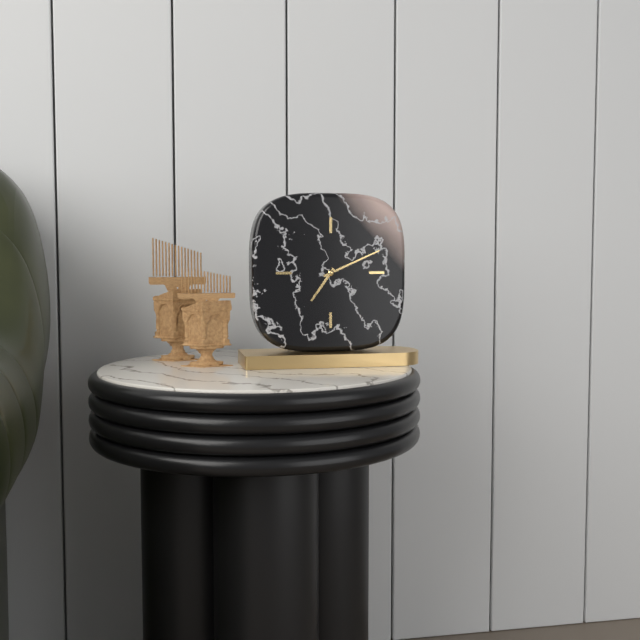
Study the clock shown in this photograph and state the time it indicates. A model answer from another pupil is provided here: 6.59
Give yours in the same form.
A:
7.11
